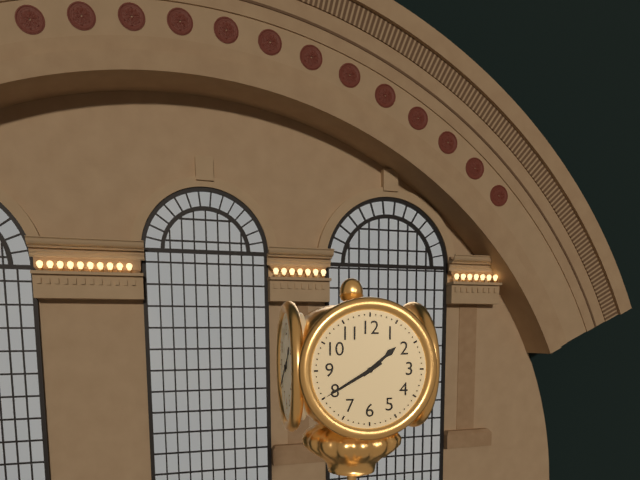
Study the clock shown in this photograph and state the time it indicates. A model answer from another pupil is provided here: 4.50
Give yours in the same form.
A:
1.40
